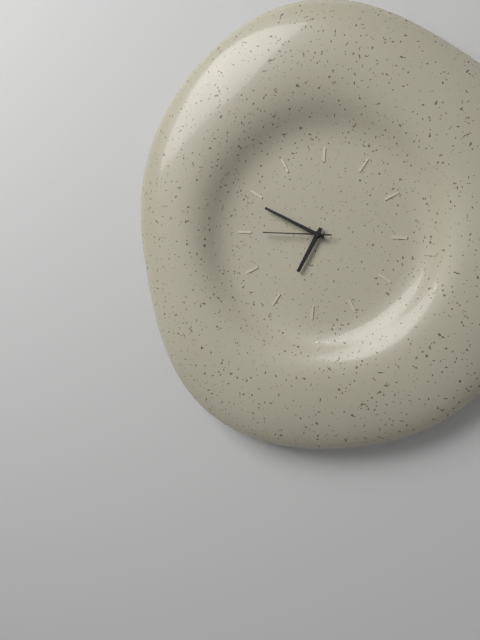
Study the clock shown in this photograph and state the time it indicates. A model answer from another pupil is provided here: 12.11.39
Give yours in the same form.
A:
6.49.45
